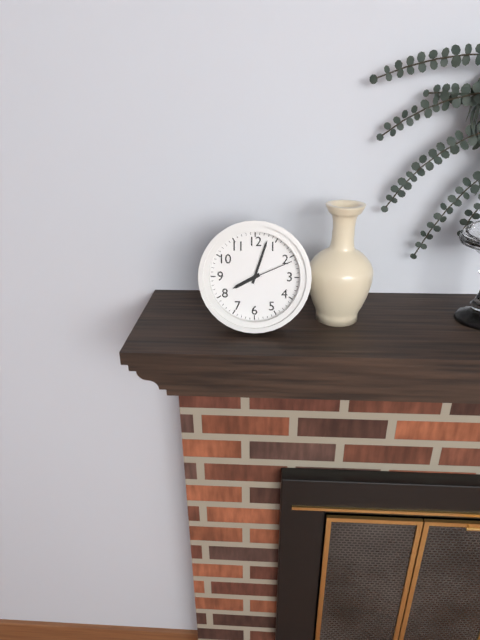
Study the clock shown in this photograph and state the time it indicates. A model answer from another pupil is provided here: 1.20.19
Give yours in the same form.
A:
8.03.11
